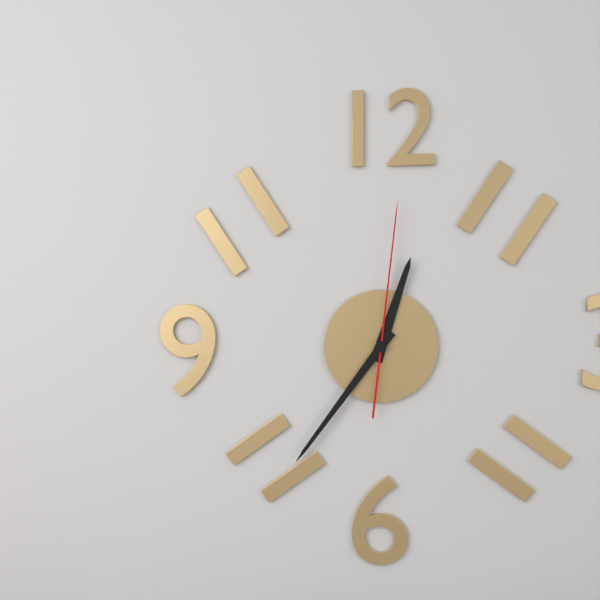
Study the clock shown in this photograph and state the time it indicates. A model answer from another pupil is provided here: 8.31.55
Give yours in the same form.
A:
12.36.01
